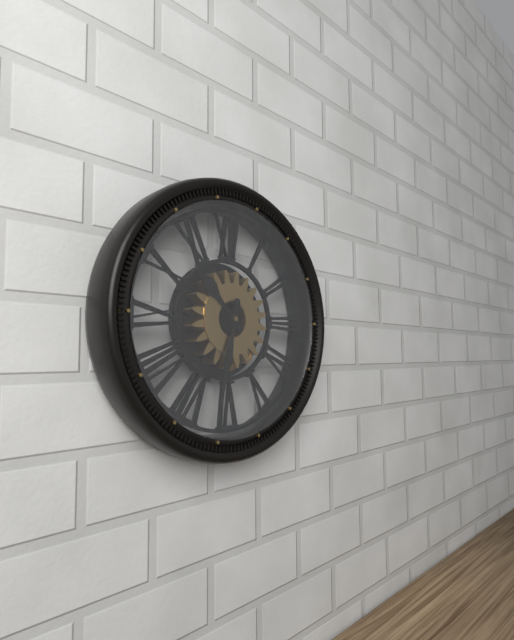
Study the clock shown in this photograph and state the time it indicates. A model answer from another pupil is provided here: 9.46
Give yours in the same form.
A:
10.32
